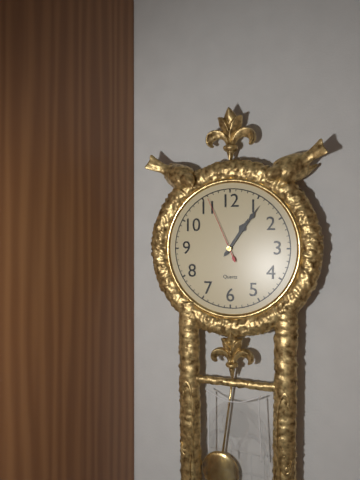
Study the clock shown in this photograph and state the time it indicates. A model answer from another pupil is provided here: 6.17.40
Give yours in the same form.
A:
1.06.56
